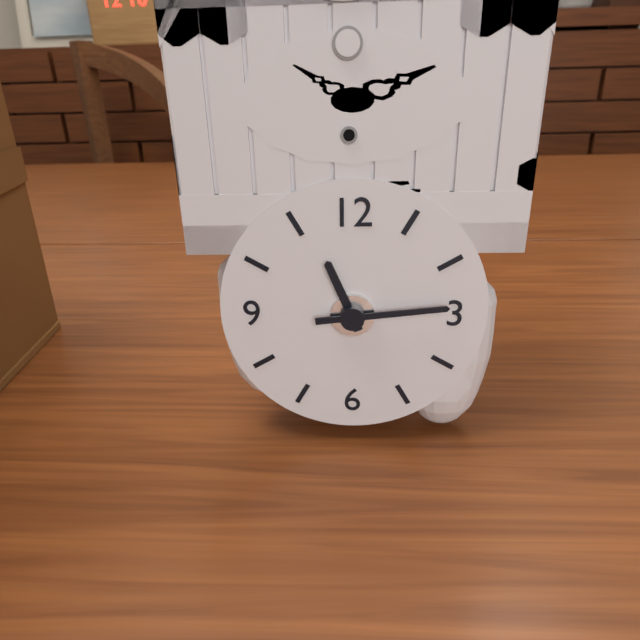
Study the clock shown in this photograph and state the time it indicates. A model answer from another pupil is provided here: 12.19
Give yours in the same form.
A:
11.14
